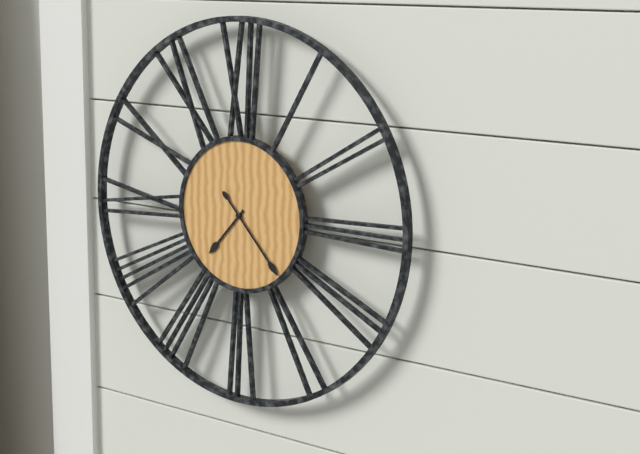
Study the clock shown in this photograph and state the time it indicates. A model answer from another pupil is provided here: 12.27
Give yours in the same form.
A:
7.23
